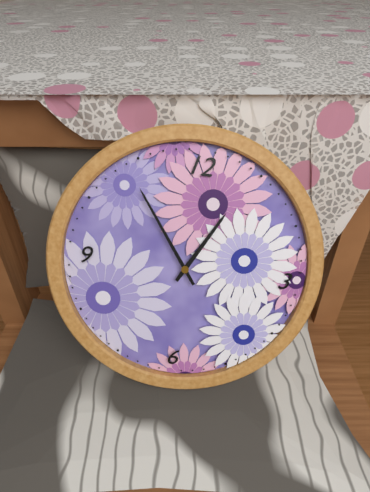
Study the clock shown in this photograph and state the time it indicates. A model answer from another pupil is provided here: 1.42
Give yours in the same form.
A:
12.54
